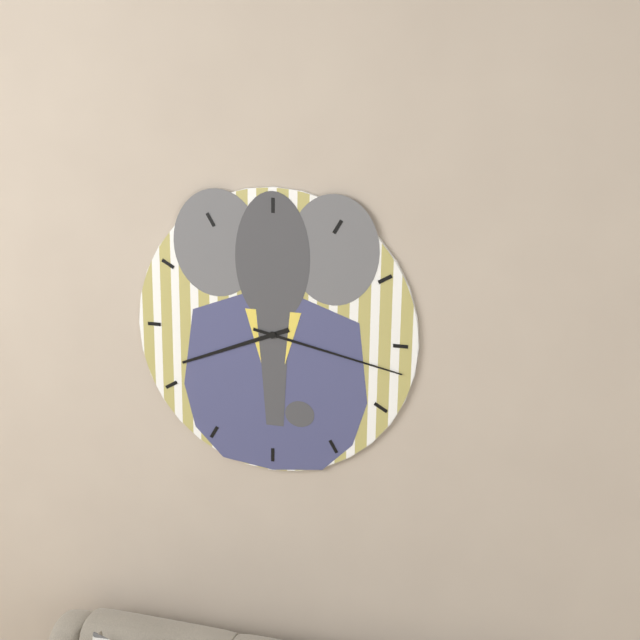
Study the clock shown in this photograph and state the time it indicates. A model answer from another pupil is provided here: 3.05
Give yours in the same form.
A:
8.17
